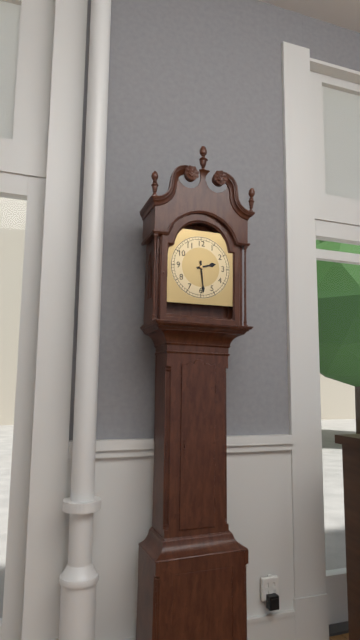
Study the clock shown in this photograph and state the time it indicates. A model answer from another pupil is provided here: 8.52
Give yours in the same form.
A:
2.29
